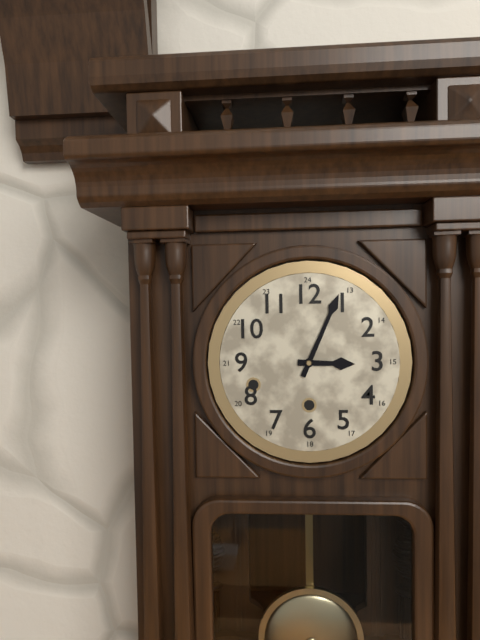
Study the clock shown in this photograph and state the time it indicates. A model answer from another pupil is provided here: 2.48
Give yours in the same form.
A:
3.04
